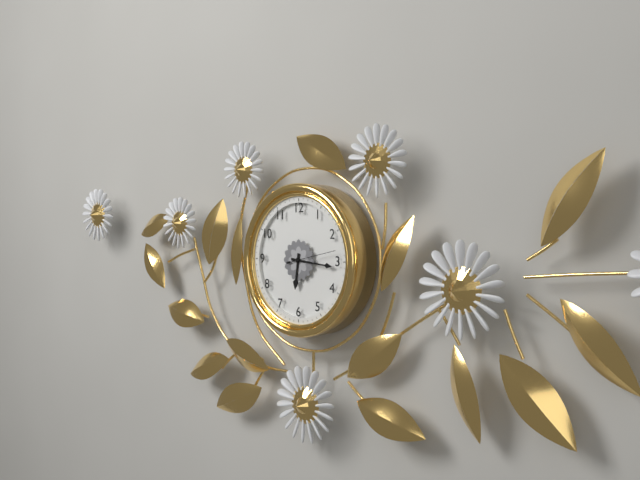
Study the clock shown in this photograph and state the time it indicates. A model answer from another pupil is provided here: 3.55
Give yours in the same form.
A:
6.16
